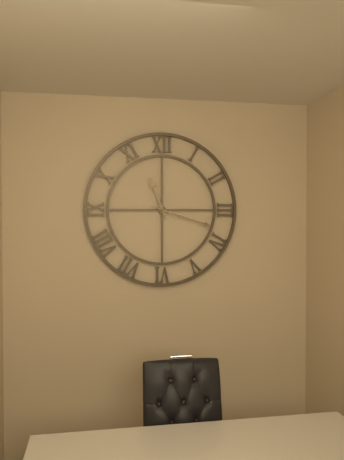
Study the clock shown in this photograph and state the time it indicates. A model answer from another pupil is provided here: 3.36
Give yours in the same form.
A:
11.18
